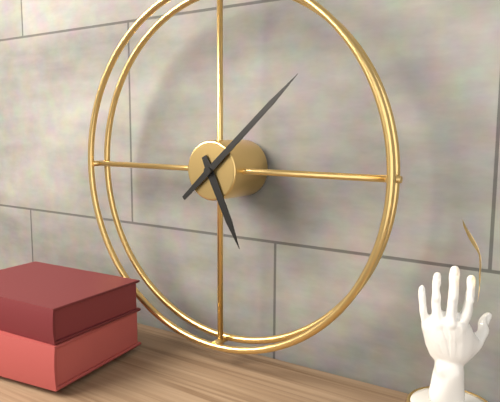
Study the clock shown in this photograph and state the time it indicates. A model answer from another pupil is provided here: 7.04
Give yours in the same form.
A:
5.08
